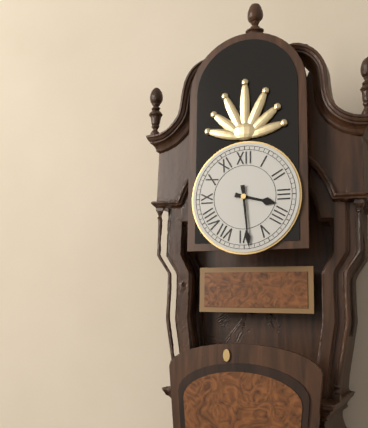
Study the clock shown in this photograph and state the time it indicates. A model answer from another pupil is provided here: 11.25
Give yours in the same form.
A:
3.29
